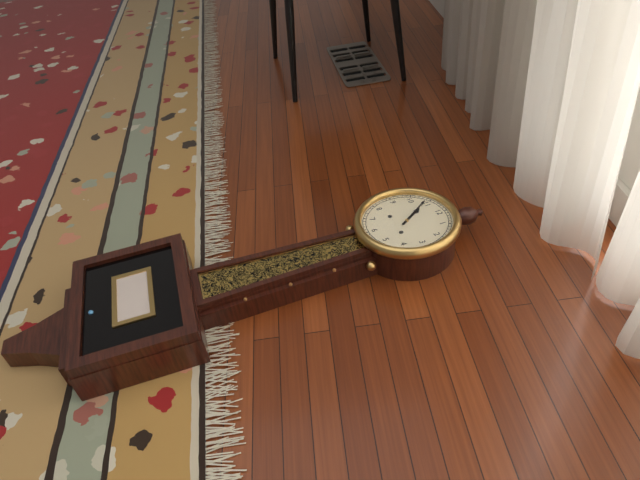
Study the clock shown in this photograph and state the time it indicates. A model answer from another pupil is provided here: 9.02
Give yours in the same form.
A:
10.54
